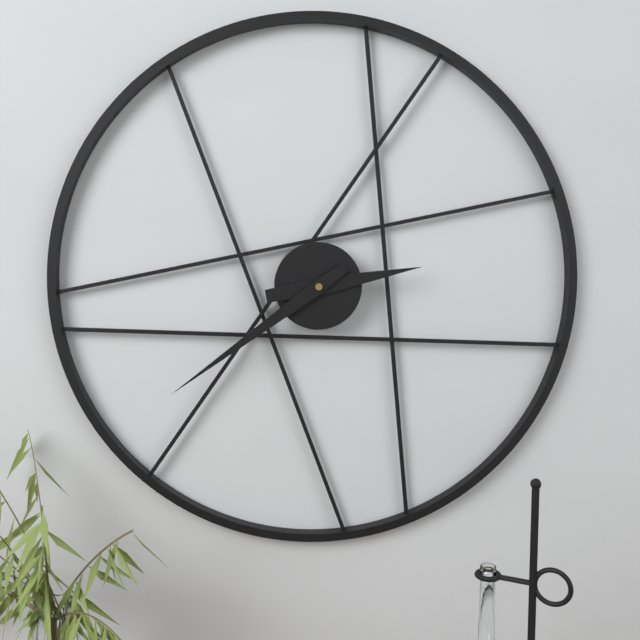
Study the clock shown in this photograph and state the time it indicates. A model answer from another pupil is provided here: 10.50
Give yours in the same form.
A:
2.39
